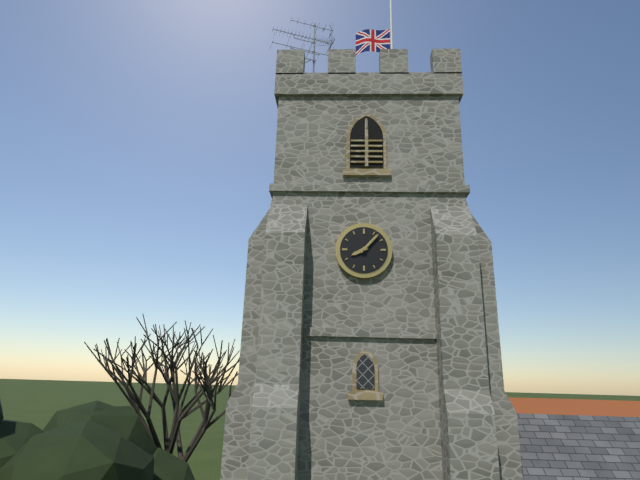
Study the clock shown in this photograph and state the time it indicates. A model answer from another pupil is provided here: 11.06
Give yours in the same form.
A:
8.07
